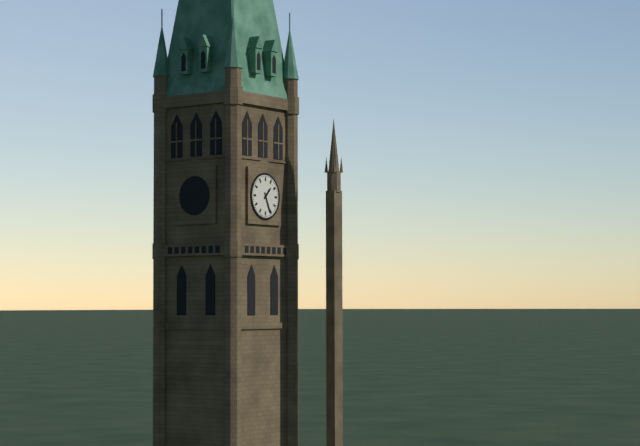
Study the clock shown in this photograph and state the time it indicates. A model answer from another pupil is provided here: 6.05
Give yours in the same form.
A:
1.26
